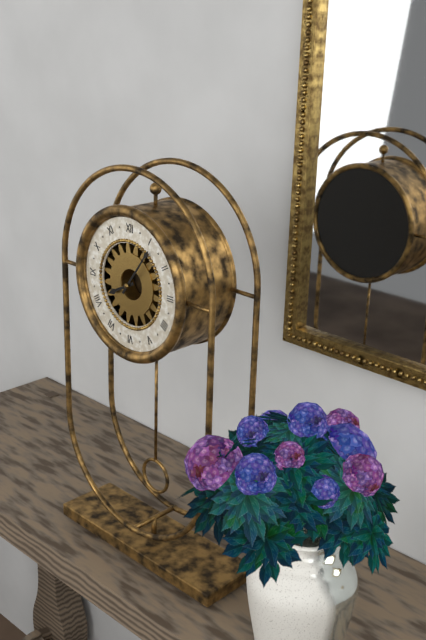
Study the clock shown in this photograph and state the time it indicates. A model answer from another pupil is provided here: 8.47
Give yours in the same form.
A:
8.06
